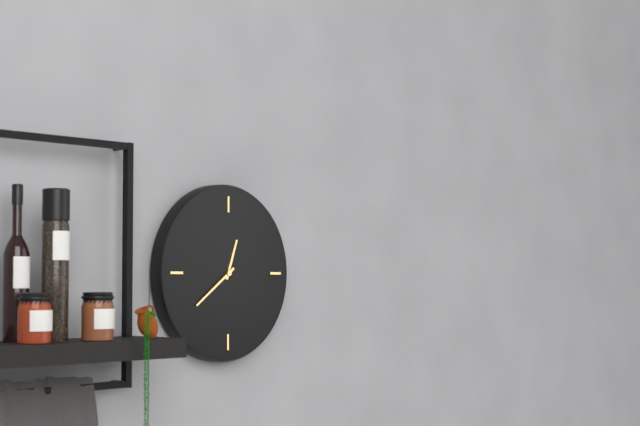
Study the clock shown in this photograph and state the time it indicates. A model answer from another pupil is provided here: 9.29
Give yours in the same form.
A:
12.39
